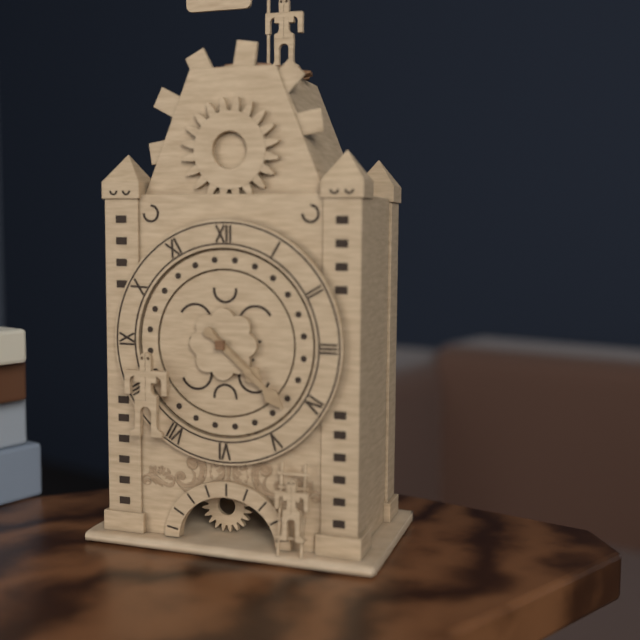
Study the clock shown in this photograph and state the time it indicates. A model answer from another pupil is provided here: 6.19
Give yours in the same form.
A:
4.22
